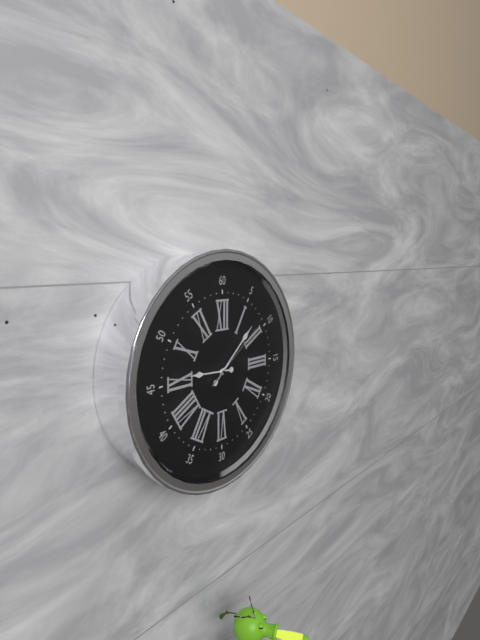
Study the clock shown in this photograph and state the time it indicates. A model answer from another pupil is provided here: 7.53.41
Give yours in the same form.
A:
9.08.09
